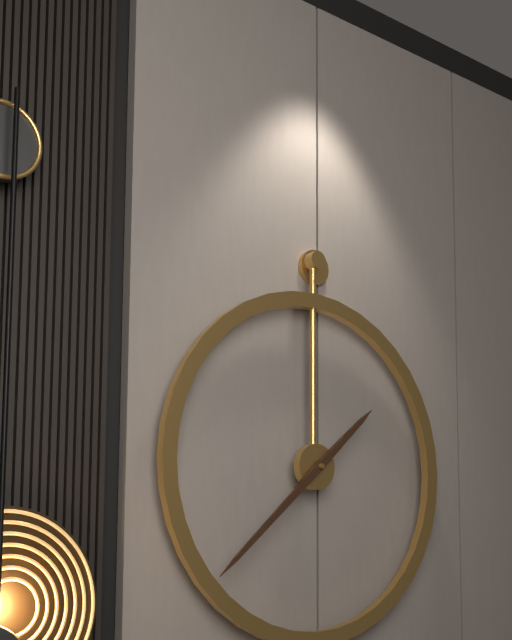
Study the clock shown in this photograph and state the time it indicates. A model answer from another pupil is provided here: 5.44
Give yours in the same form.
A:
1.38
